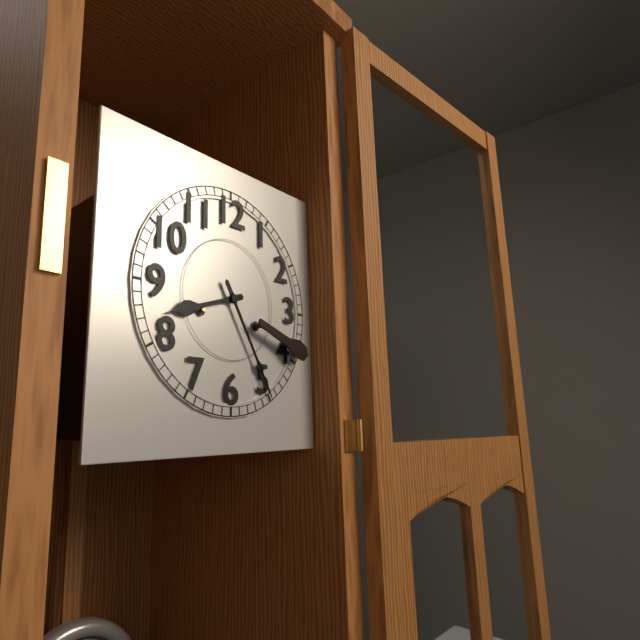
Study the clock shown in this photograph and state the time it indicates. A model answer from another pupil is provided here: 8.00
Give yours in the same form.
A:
8.25
